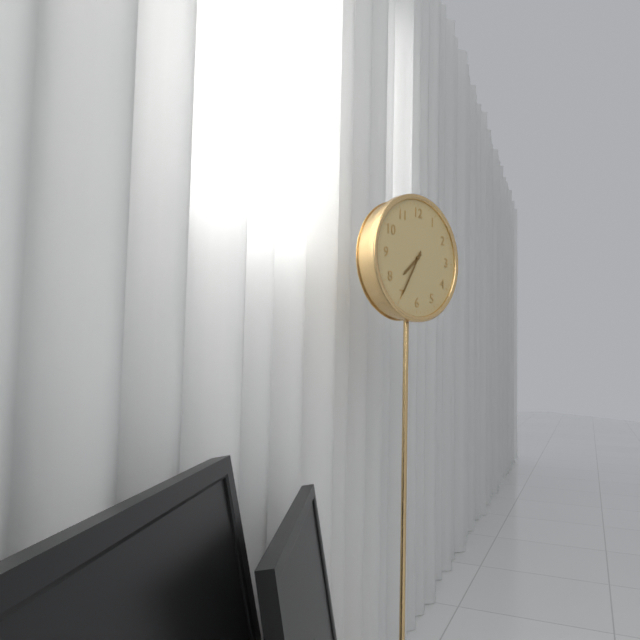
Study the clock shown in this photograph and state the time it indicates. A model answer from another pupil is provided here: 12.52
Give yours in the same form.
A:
7.35
